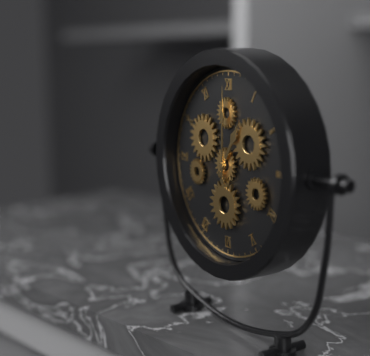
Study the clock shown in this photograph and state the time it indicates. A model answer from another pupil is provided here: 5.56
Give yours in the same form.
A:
1.00
